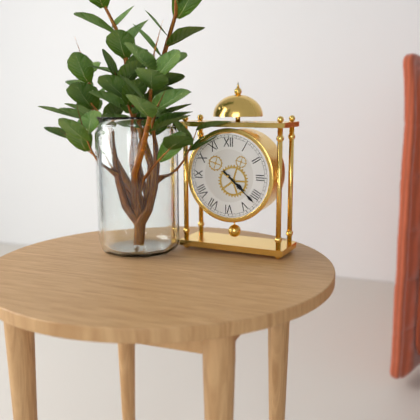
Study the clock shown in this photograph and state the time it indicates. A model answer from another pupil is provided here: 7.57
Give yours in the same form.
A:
4.22
